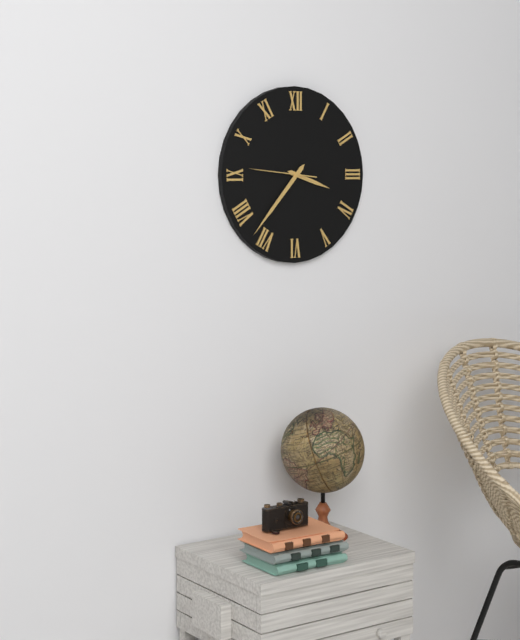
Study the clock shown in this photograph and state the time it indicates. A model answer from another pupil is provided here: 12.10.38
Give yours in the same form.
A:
3.37.46
